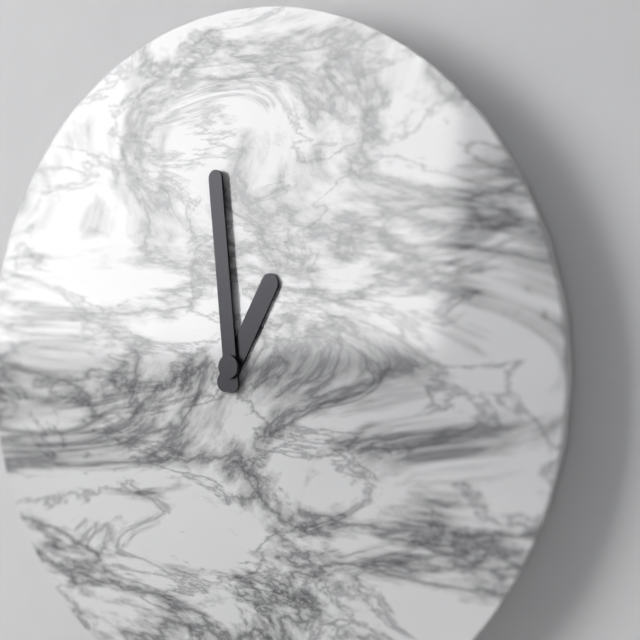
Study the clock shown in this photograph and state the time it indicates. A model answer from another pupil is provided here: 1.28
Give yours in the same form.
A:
12.59
